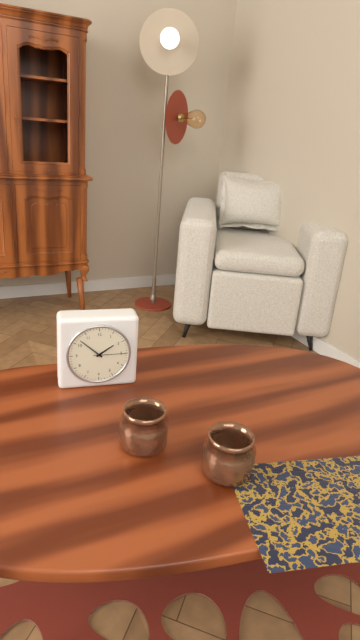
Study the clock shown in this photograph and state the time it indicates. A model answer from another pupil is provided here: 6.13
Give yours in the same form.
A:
1.52
